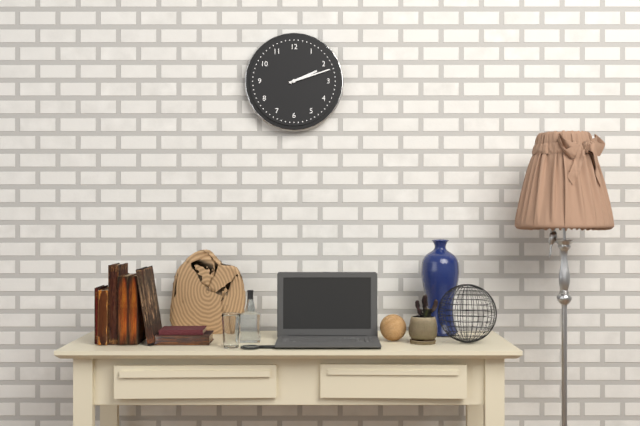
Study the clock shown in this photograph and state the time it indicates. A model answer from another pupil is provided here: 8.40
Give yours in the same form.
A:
2.12
